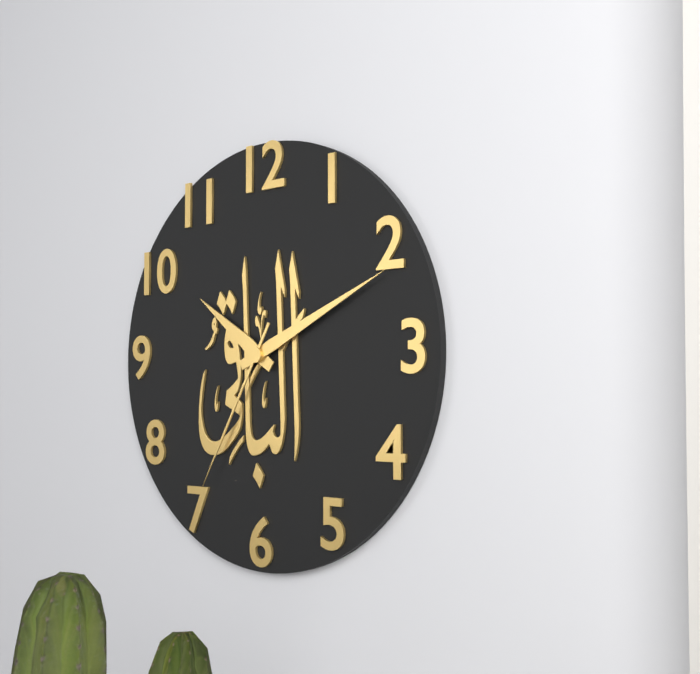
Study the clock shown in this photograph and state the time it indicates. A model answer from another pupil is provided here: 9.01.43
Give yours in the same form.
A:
10.11.35
